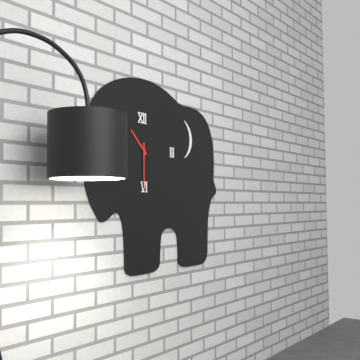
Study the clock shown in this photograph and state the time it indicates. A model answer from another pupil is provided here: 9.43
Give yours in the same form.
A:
10.30
